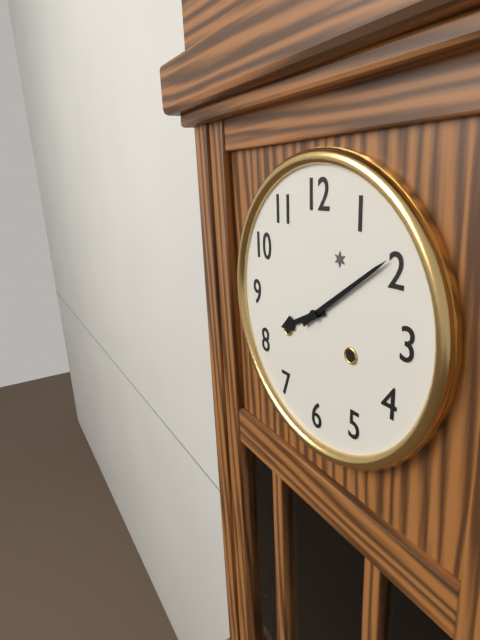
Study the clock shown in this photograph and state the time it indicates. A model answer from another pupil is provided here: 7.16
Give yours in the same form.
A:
8.09
